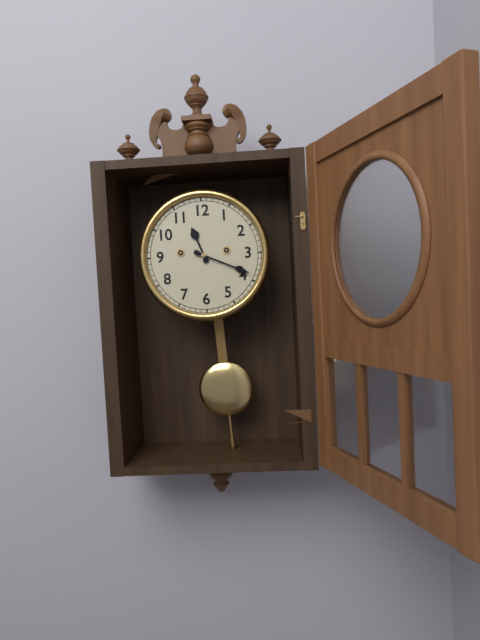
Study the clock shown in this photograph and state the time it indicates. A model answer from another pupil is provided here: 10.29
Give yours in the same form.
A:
11.19
